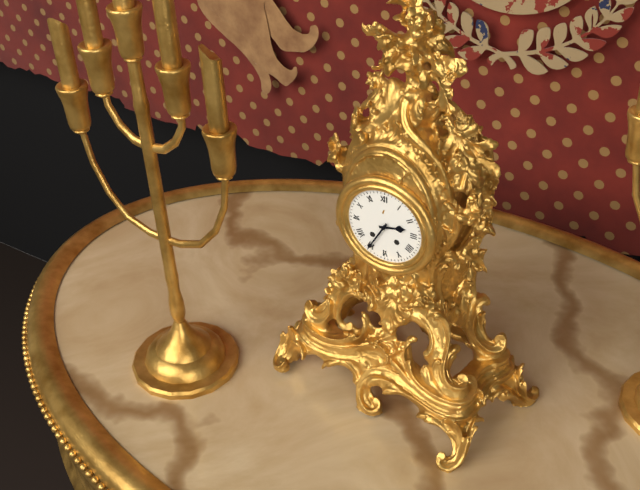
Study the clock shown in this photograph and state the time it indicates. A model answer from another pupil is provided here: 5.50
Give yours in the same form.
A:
2.35
